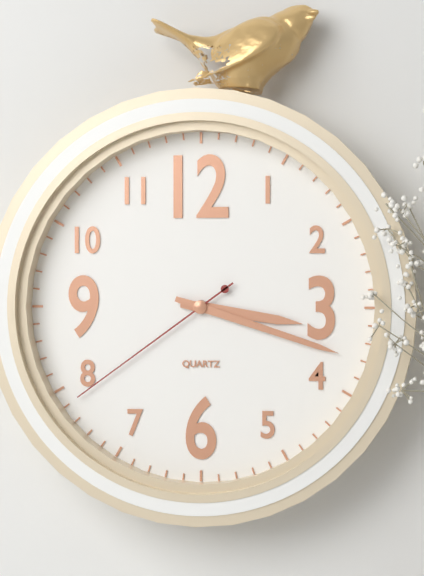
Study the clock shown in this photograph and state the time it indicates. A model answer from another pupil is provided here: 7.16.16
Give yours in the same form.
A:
3.18.39
